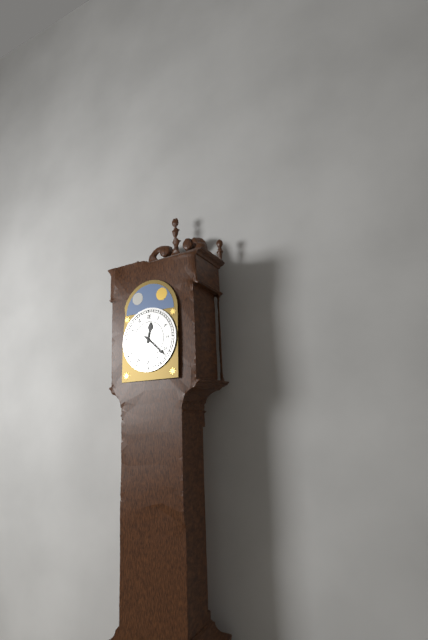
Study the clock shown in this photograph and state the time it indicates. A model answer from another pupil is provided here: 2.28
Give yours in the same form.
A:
12.22
